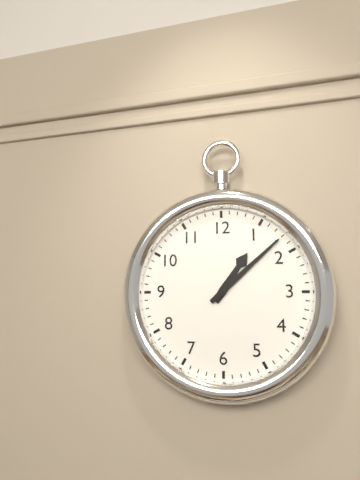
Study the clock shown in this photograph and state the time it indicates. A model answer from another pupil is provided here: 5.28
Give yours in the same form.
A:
1.08
